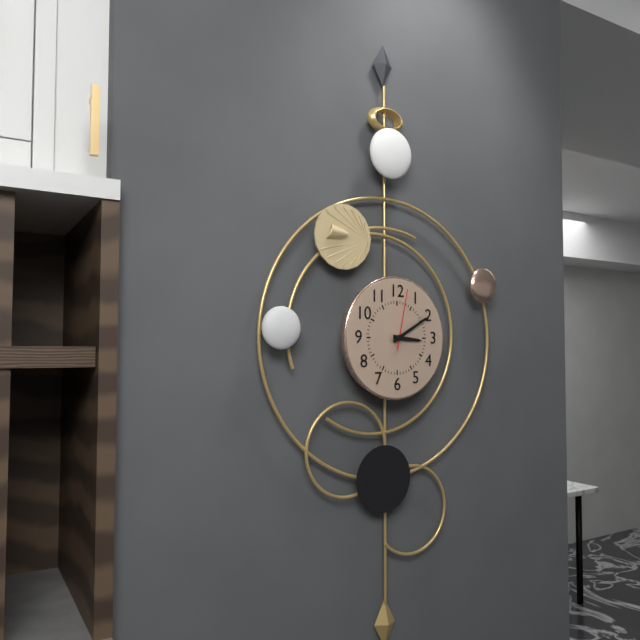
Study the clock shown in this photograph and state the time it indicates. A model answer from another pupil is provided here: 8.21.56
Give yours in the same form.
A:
3.10.02
